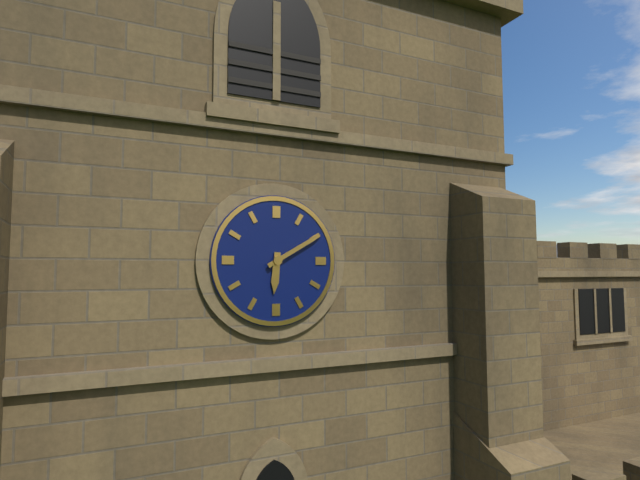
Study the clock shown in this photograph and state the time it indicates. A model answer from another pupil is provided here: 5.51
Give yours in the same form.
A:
6.10
